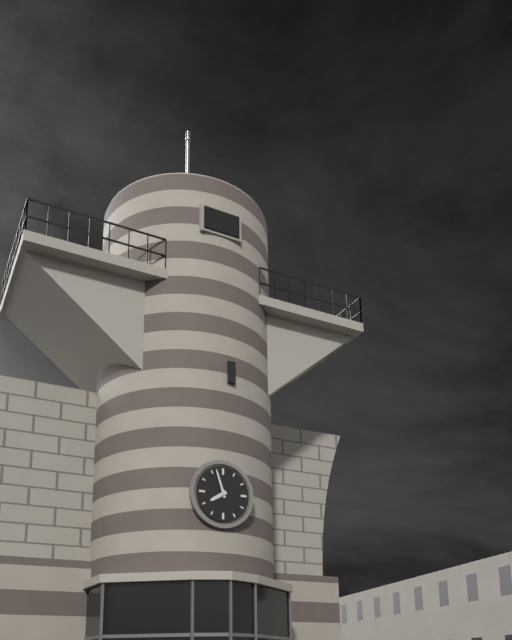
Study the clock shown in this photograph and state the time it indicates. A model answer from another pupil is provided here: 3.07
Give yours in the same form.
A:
7.57
